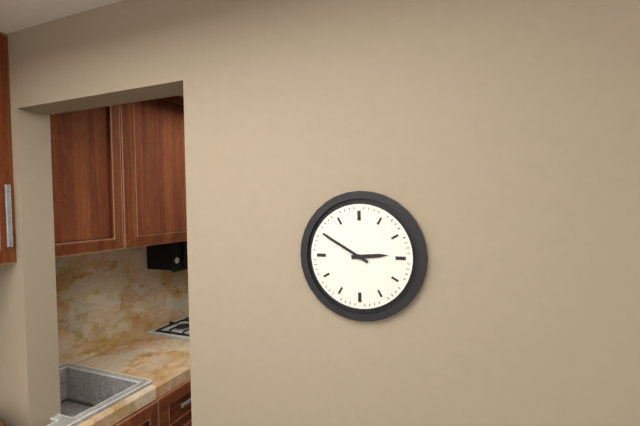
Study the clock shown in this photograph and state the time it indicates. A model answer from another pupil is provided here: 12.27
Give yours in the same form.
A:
2.50
